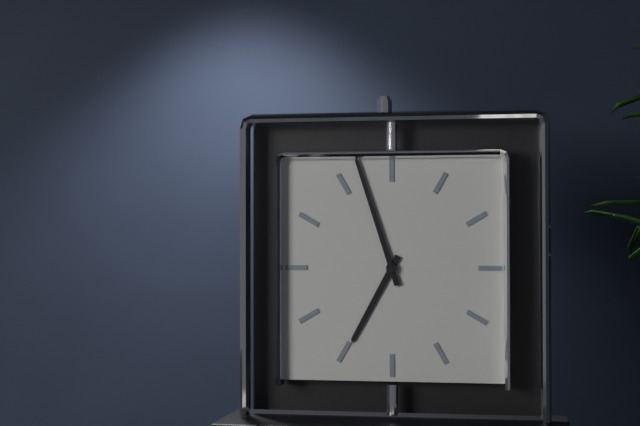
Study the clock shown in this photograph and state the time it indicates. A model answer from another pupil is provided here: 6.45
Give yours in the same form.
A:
6.57
